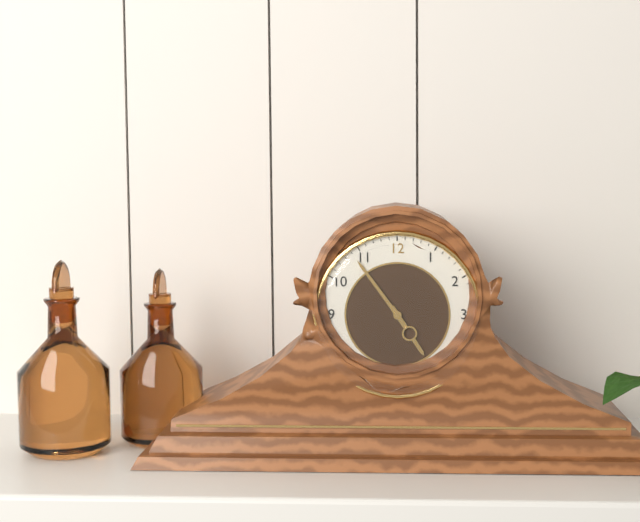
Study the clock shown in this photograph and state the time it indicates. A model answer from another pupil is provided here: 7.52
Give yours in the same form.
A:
4.54
